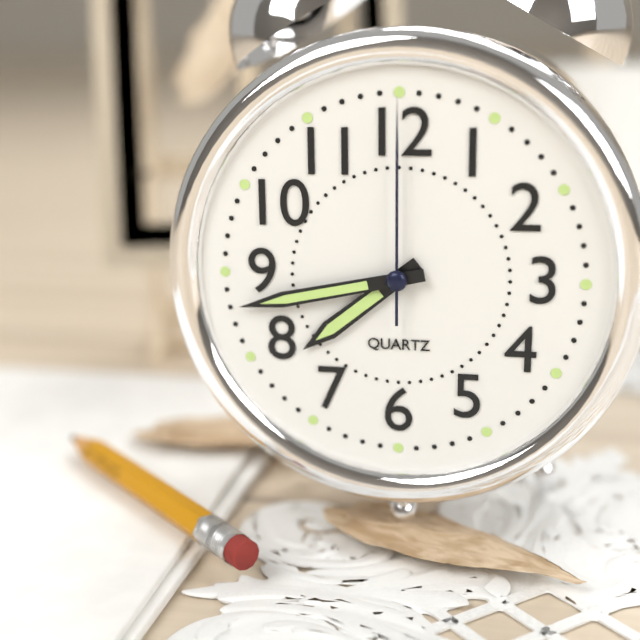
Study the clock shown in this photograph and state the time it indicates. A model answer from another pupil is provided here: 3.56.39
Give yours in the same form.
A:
7.43.00
